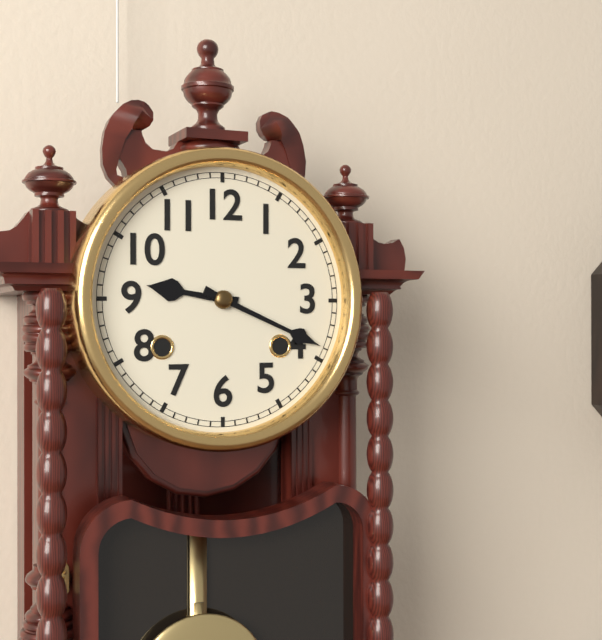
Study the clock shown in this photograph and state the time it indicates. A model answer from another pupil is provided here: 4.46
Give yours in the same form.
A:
9.19
